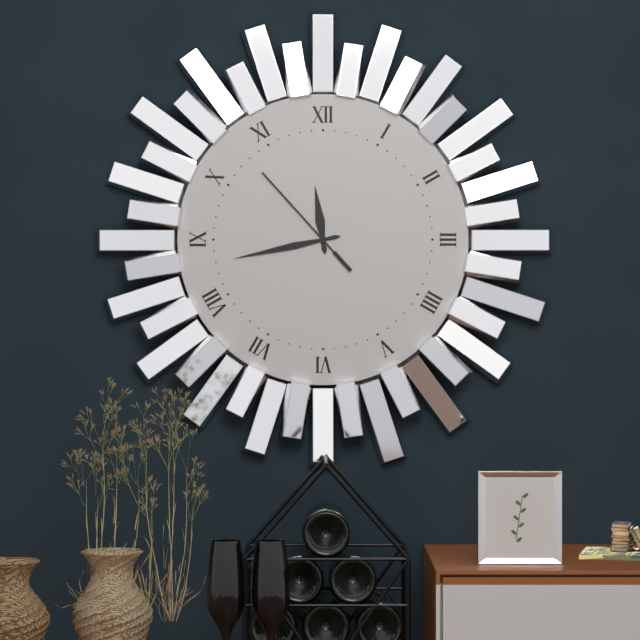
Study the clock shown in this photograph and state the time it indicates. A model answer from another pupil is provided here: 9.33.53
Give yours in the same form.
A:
11.43.53
